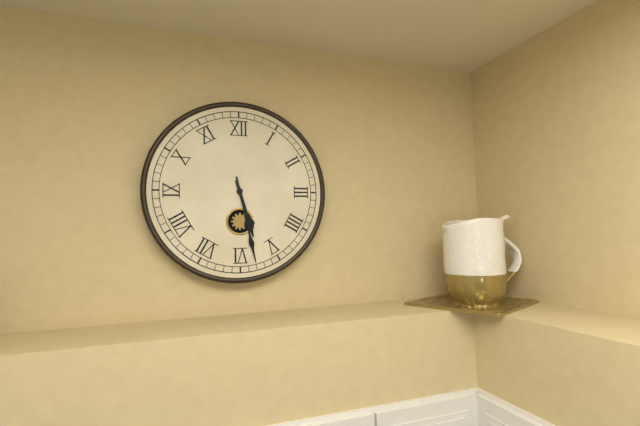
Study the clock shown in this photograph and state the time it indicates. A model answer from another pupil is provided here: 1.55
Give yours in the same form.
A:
5.28
